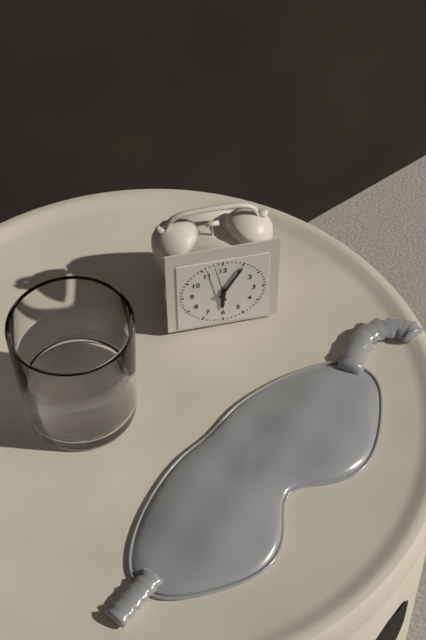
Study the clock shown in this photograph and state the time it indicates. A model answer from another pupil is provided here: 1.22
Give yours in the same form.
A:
6.05
